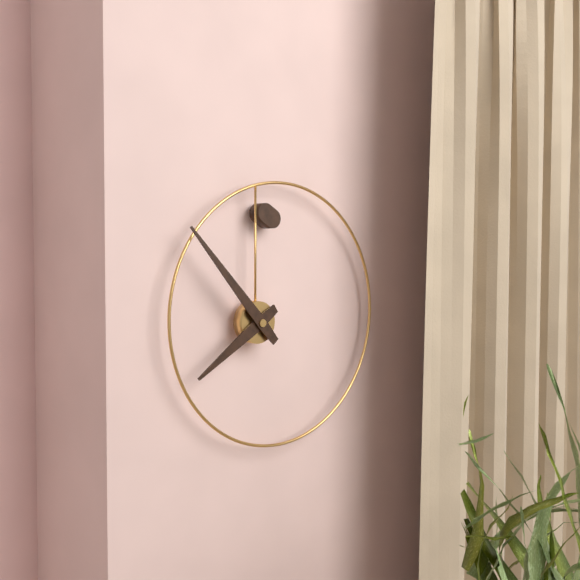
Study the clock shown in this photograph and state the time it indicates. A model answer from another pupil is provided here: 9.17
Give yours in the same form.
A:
7.53
